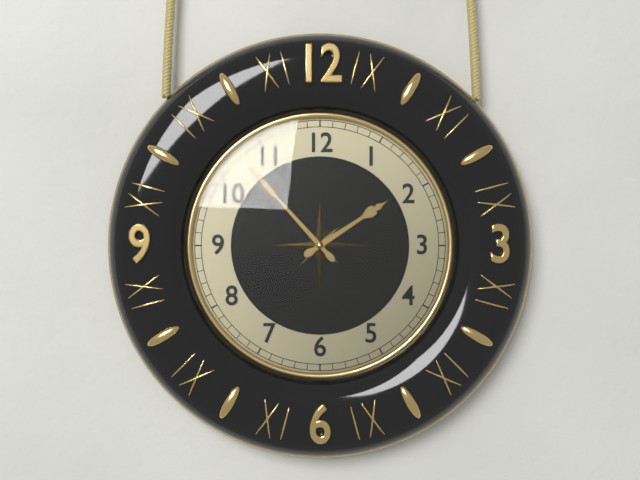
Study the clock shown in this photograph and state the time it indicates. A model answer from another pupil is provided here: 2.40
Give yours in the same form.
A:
1.53
